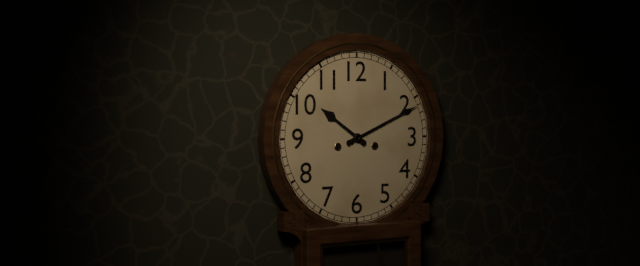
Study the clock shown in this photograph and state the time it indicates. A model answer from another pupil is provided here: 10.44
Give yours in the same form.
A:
10.11
